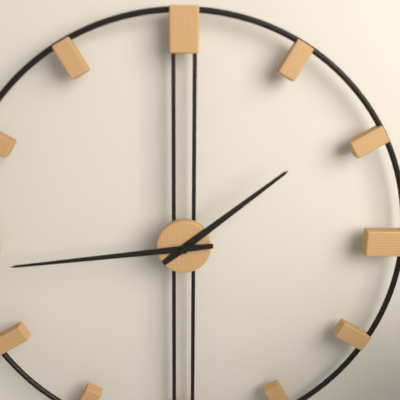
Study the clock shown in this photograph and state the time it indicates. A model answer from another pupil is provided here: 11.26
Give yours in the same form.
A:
1.44
